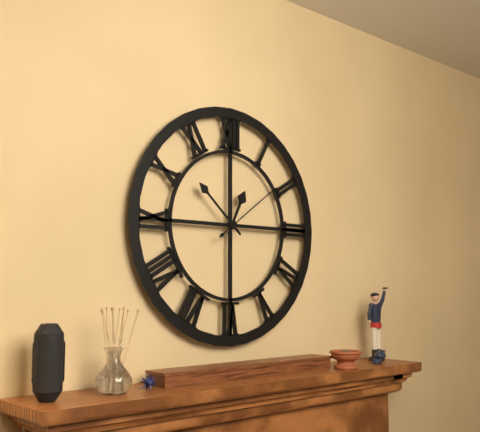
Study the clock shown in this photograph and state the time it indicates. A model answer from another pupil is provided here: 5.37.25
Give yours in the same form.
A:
12.52.09
